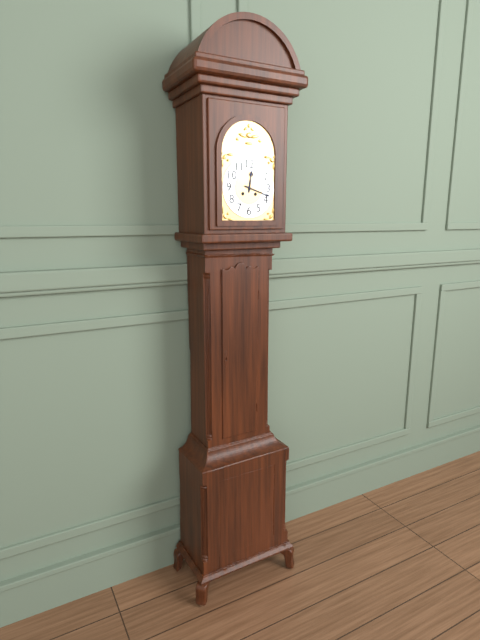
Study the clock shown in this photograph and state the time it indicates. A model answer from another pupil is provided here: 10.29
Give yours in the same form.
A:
12.18
